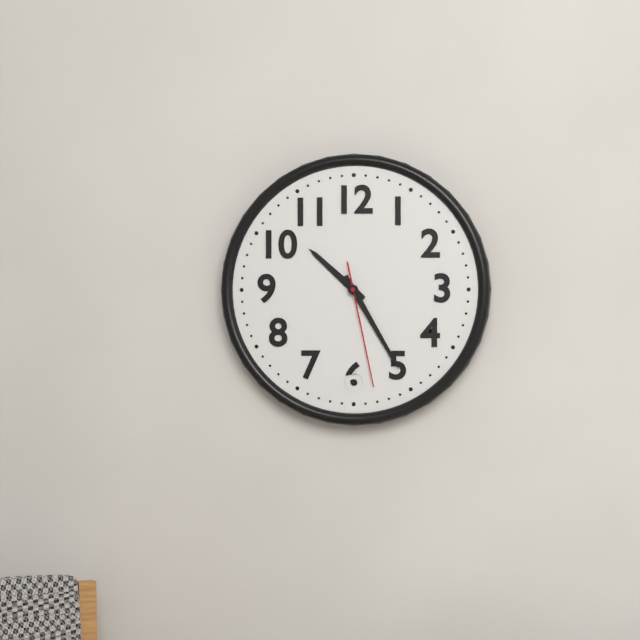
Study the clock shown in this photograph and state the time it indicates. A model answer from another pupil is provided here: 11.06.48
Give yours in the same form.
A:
10.25.28
